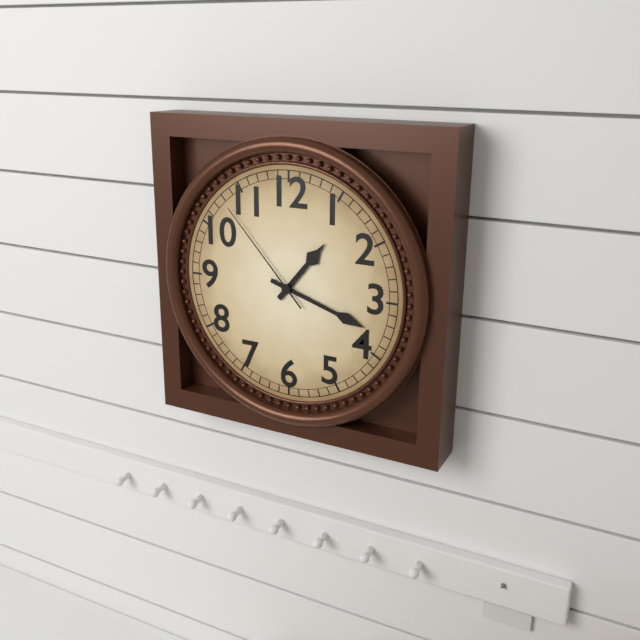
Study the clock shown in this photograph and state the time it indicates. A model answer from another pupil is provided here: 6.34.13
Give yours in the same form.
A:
1.18.53
